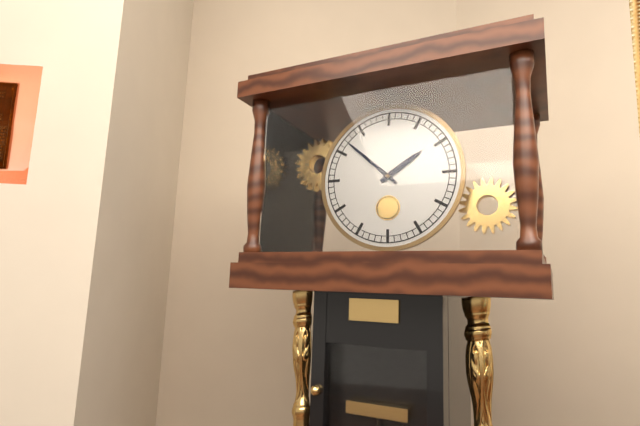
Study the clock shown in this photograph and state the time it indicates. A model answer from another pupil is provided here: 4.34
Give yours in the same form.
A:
1.52
